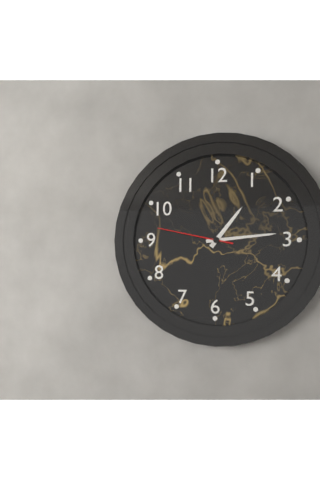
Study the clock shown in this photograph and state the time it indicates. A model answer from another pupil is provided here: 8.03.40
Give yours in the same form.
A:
1.14.47
